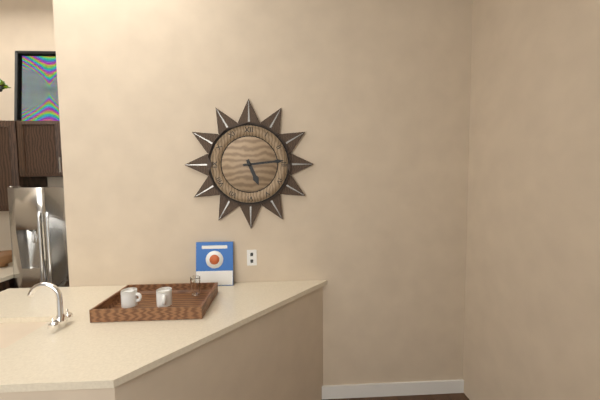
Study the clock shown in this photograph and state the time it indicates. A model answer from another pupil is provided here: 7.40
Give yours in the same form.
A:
5.14
